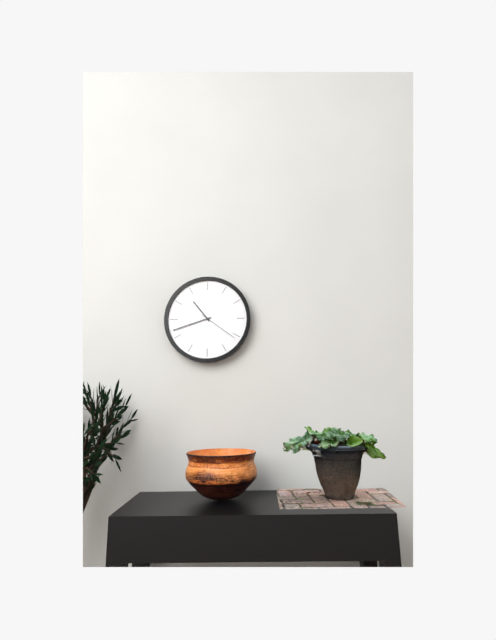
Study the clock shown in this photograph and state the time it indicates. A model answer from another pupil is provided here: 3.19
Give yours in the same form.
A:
10.42
